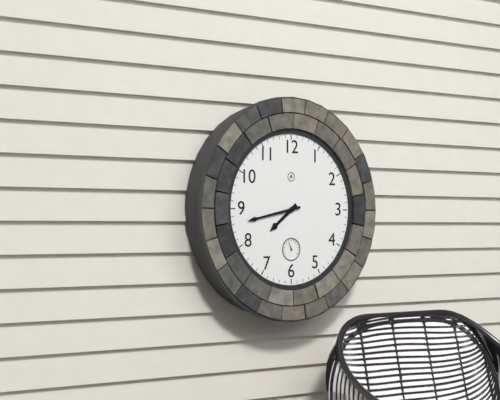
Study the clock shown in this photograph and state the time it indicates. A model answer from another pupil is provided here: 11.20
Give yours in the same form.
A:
7.43
